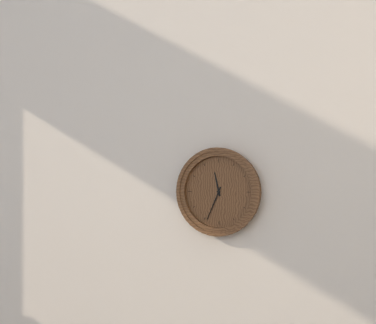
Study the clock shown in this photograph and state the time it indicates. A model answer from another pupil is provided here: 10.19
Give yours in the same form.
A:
11.34
